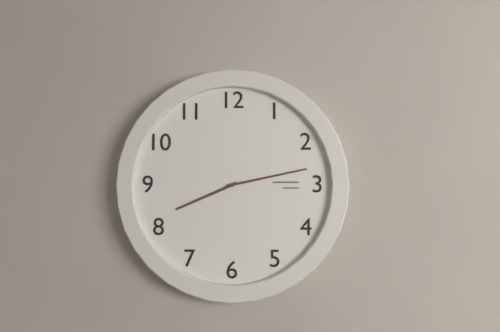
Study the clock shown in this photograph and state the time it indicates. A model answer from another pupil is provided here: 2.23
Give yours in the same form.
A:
8.13
